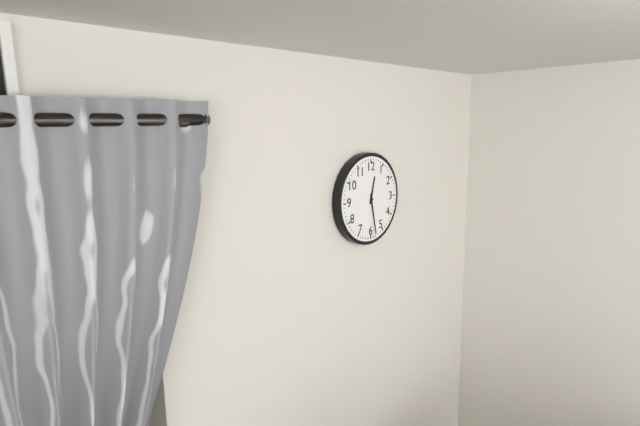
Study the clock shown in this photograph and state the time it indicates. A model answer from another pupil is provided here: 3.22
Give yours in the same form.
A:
12.28
